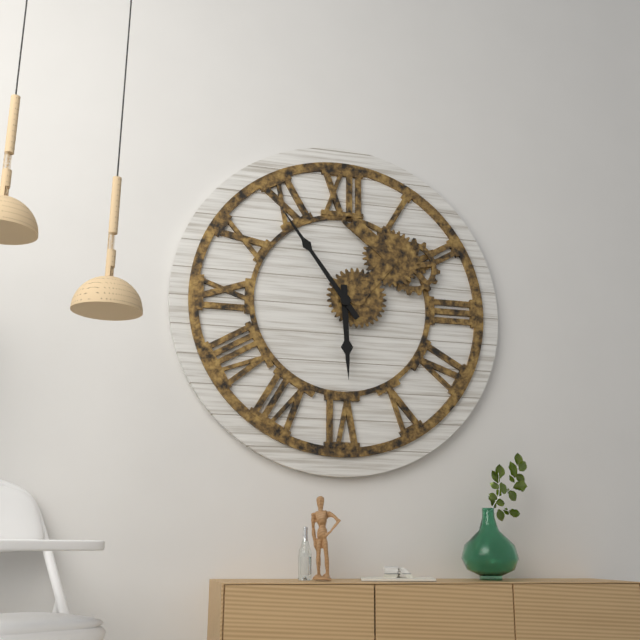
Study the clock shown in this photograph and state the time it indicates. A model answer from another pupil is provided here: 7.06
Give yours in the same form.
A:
5.54
